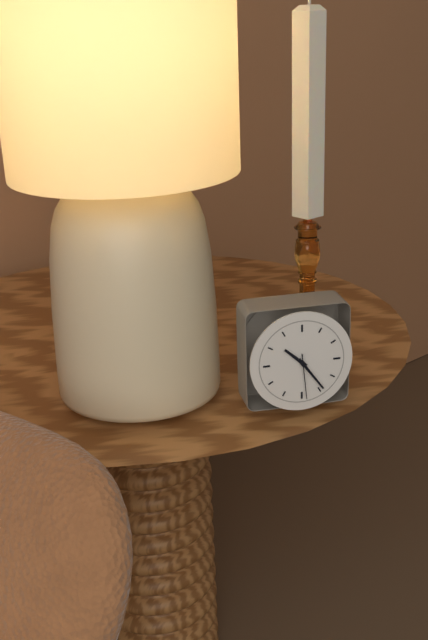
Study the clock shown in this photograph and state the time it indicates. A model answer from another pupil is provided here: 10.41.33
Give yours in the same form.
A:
10.24.29
